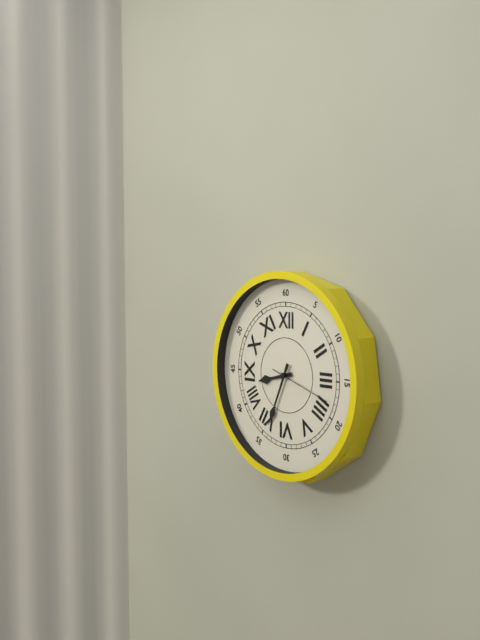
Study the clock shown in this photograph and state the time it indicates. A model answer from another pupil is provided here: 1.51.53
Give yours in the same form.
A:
8.34.18
